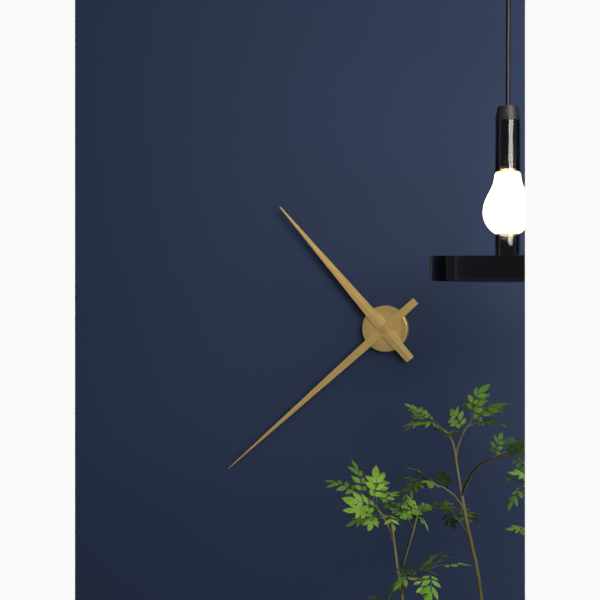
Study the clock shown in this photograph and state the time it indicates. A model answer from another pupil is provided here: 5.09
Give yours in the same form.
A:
10.38
